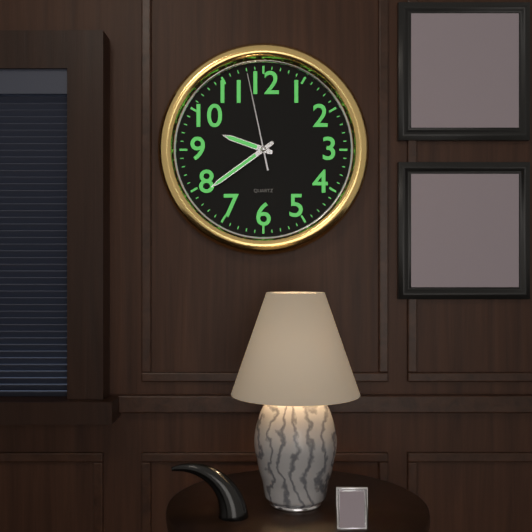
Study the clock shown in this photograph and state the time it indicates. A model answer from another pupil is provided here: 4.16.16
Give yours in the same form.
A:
9.39.58
